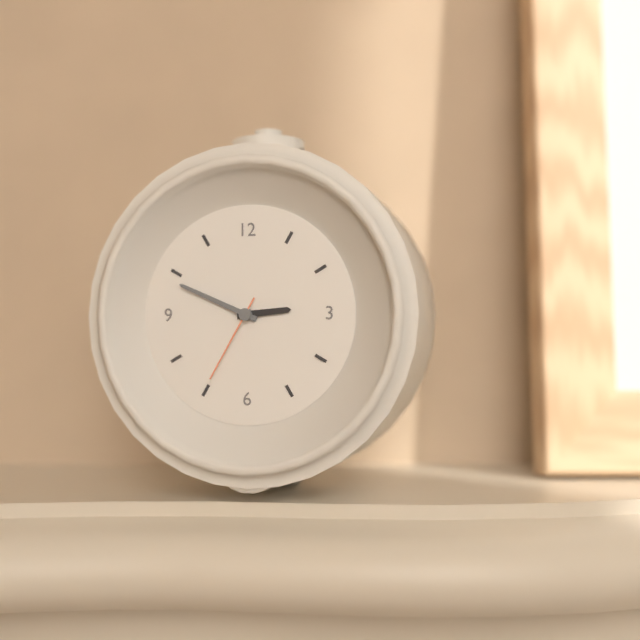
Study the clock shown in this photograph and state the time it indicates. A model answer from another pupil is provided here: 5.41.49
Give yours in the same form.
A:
2.49.35
